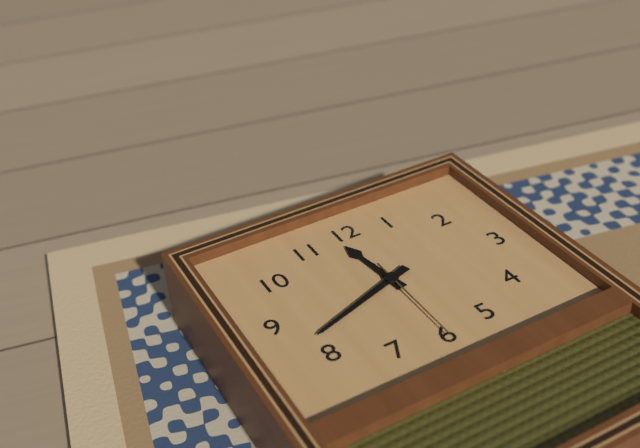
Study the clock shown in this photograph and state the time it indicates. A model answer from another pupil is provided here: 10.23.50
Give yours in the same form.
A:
11.42.30
